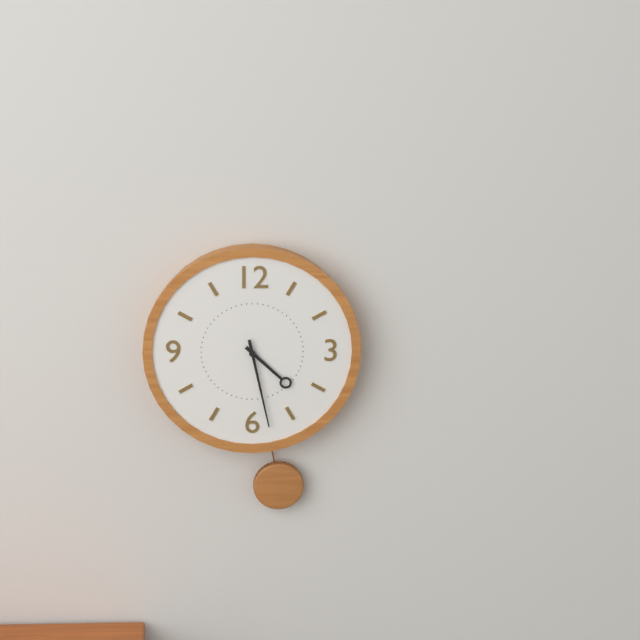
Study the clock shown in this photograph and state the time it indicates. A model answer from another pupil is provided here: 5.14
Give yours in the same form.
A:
4.28
